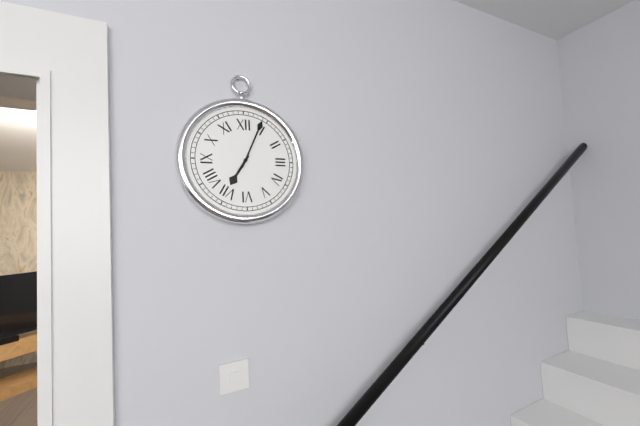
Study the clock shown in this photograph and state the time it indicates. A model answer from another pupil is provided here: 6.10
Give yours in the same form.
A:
7.04
